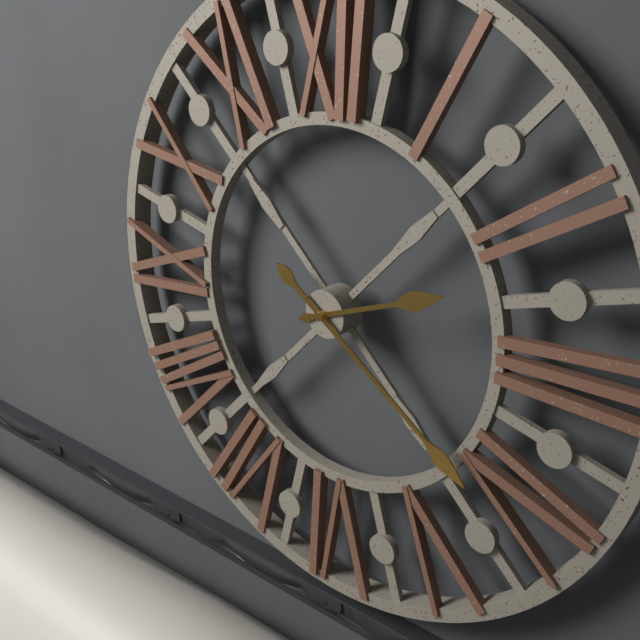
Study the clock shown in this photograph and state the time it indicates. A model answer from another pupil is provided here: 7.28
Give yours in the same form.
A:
2.21
